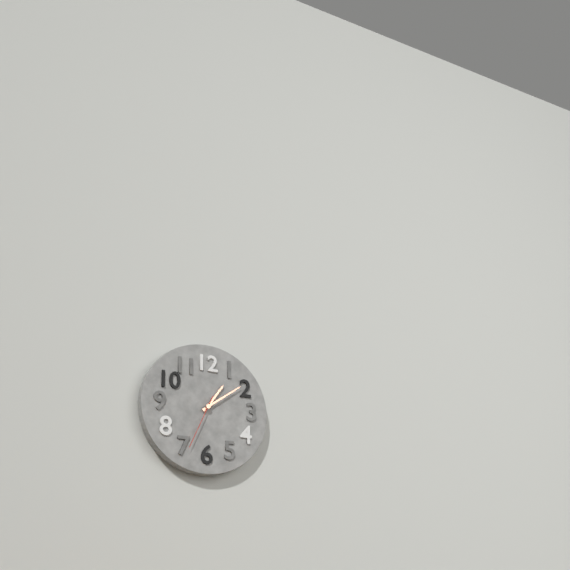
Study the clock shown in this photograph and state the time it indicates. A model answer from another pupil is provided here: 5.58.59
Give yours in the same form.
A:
1.09.34
